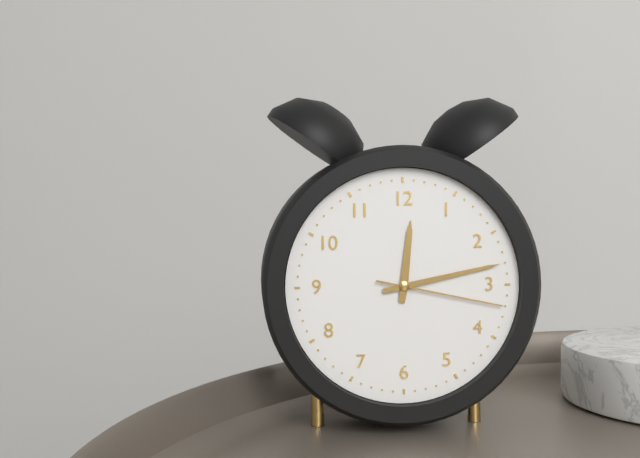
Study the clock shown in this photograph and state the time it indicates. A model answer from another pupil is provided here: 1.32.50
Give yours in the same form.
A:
12.13.17
